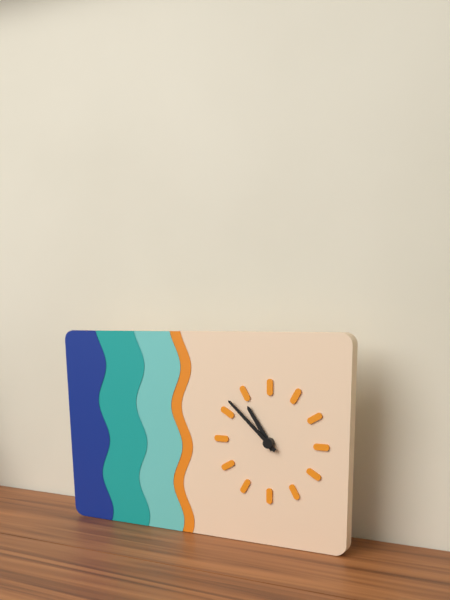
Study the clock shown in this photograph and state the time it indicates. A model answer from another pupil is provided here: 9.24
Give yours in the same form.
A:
10.52
